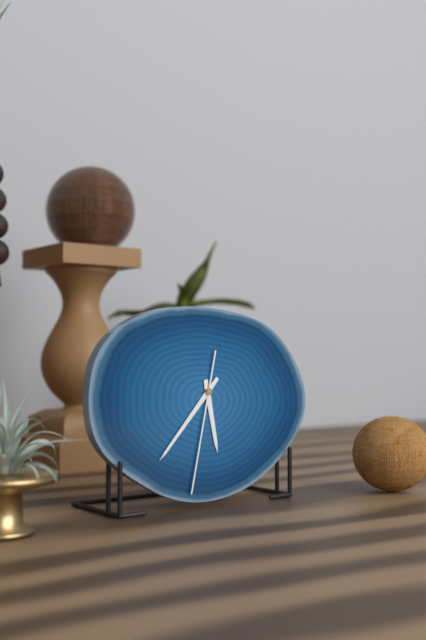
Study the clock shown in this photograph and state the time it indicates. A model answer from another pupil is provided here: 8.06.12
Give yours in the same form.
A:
5.37.32
